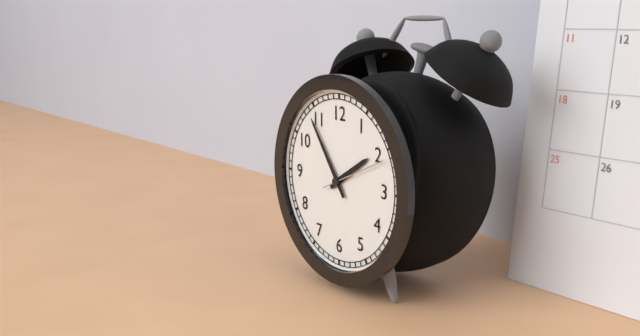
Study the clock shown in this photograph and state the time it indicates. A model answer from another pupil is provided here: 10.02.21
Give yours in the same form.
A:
1.54.11
